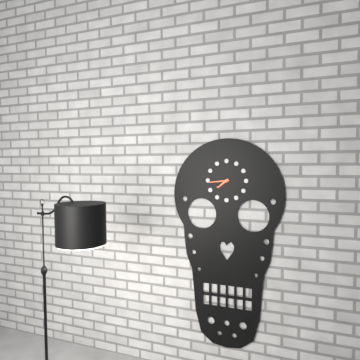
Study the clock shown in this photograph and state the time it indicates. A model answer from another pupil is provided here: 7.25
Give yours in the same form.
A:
7.44
